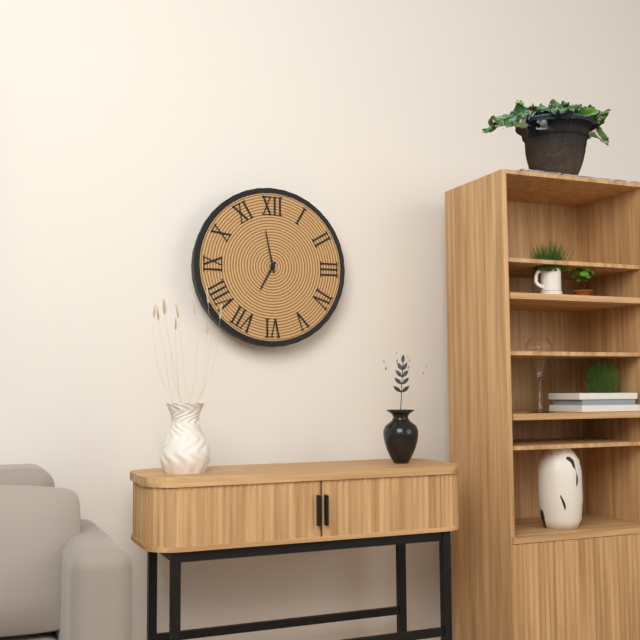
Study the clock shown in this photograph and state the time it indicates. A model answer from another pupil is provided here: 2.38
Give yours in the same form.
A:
6.58
